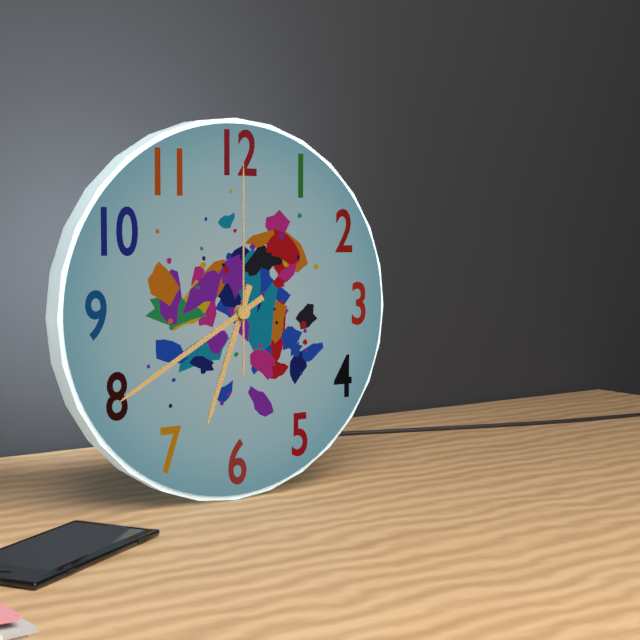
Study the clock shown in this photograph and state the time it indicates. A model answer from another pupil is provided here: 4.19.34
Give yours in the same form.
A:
6.40.00
